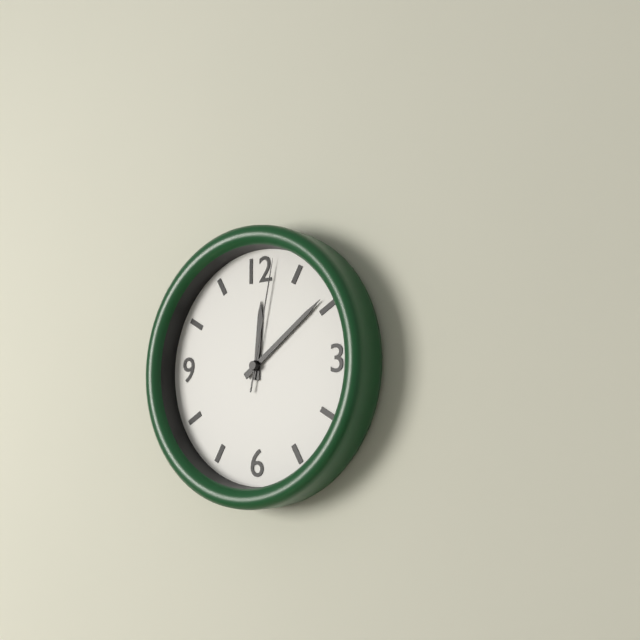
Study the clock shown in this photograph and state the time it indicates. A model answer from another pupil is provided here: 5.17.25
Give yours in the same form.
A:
12.09.02
